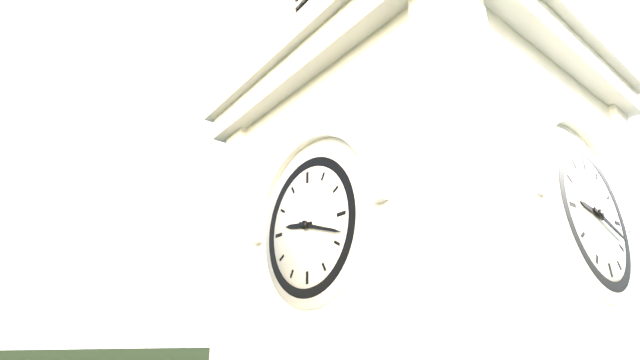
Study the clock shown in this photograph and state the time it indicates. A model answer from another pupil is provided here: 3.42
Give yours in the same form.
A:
9.18
